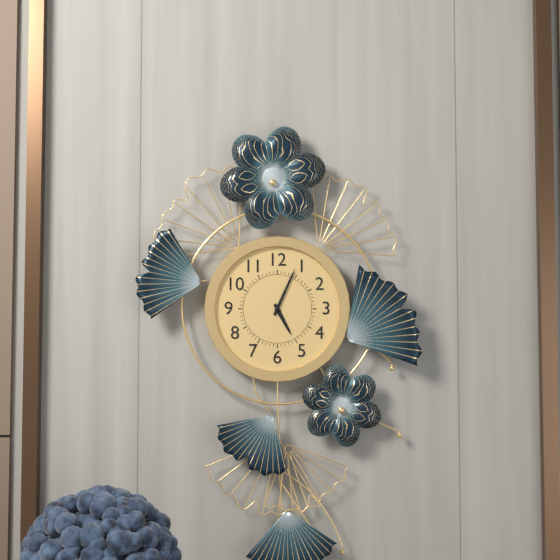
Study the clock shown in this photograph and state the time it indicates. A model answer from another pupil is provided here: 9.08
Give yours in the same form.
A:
5.04
